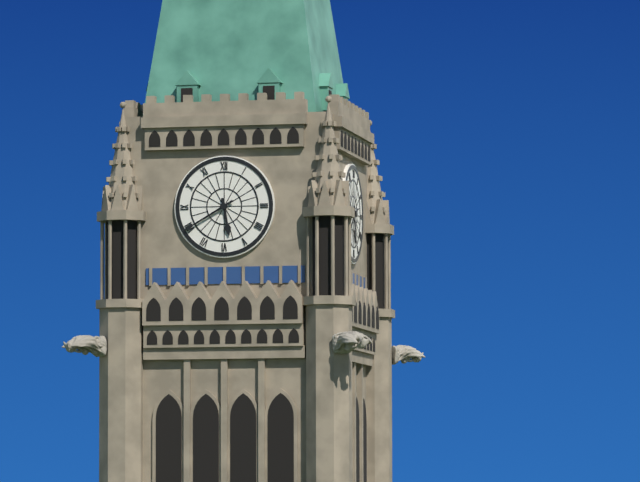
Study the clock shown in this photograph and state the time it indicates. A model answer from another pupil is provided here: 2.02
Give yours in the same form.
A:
5.40
